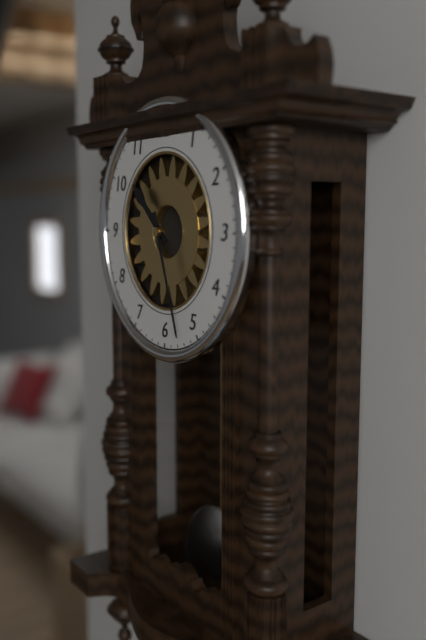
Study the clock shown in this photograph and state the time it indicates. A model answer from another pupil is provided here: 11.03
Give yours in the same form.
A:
10.27
